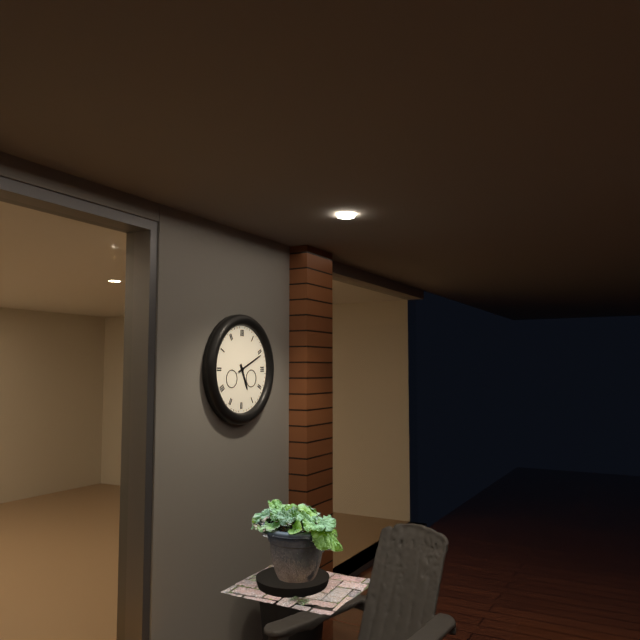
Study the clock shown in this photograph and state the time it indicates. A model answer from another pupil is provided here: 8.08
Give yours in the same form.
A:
5.11
